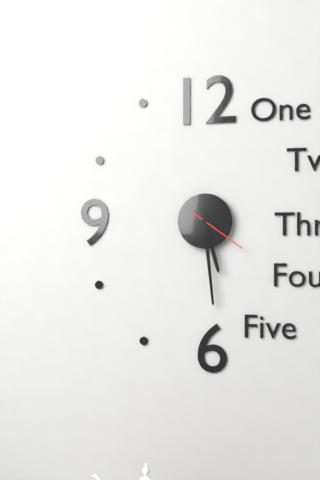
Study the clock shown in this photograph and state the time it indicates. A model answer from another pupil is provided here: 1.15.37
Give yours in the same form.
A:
5.29.21
